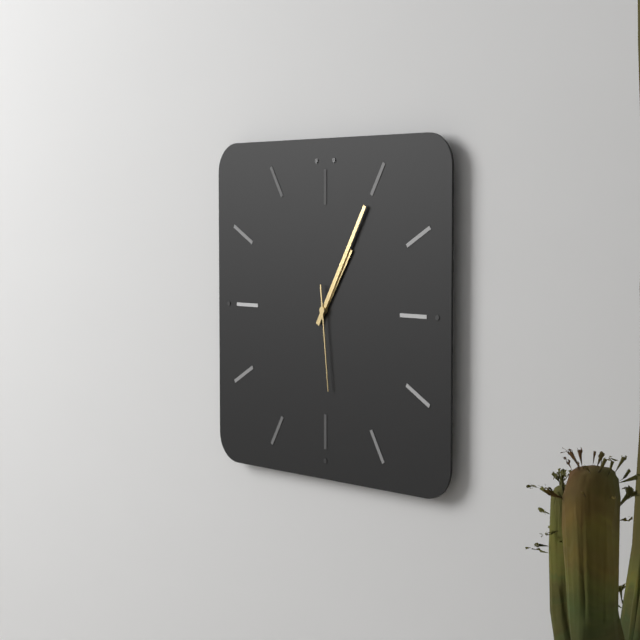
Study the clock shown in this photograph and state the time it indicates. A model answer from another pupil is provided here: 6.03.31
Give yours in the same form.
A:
1.05.29
